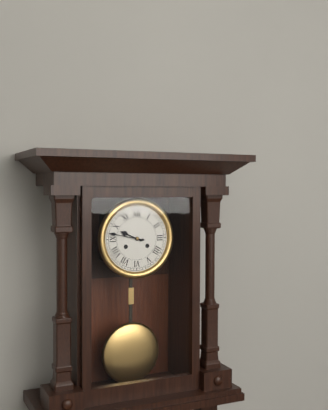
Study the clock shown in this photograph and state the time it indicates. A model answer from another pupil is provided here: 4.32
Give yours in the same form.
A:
9.47
